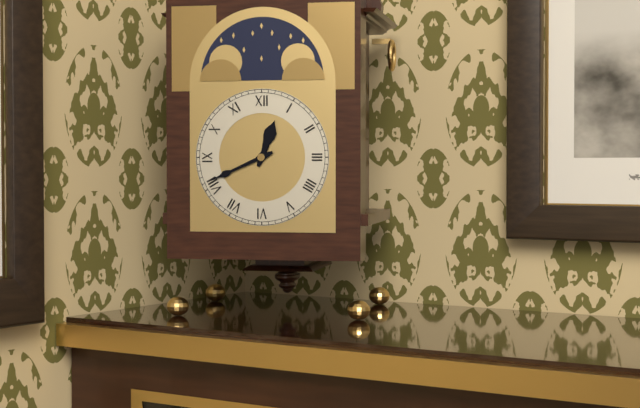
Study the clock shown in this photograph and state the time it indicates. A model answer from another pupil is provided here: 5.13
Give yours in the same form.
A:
12.41
